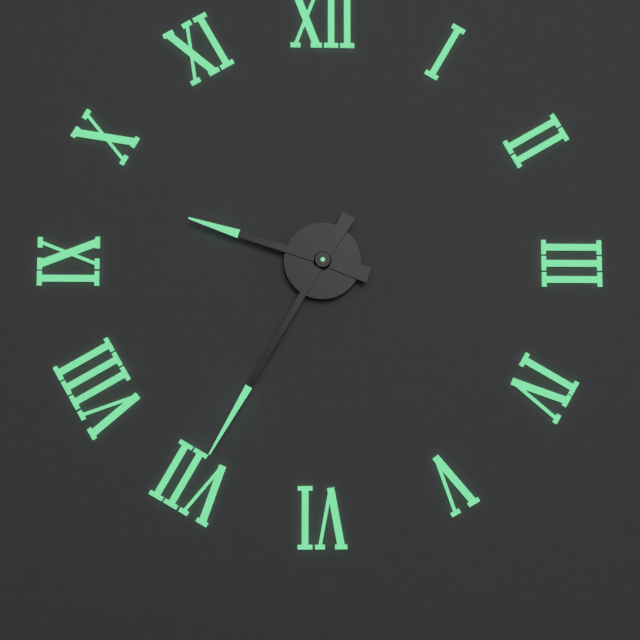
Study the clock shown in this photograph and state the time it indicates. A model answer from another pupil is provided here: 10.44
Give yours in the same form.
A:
9.35
